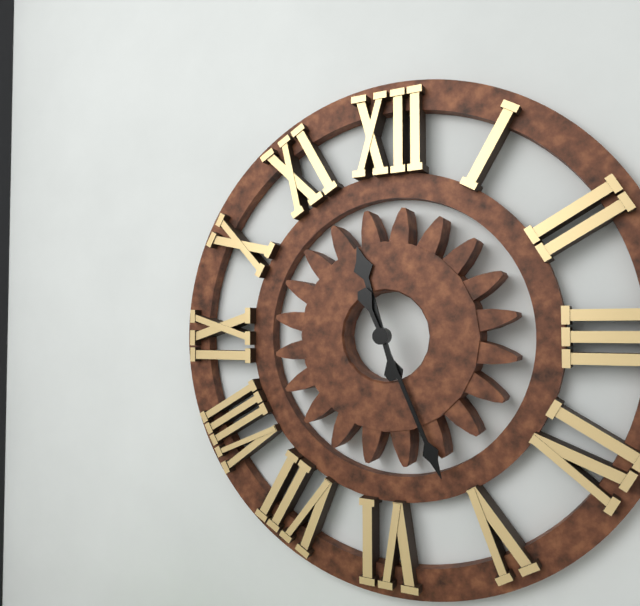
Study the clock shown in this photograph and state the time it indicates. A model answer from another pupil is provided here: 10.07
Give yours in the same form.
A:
11.26
